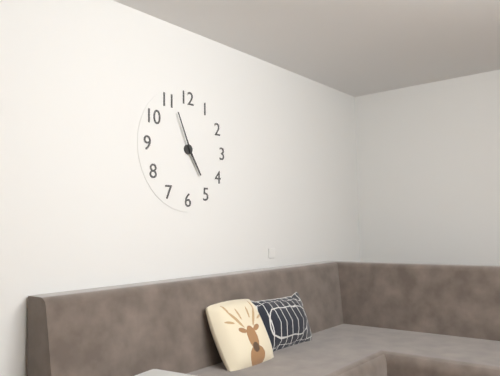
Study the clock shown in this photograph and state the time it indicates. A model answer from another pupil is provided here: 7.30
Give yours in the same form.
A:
4.56
